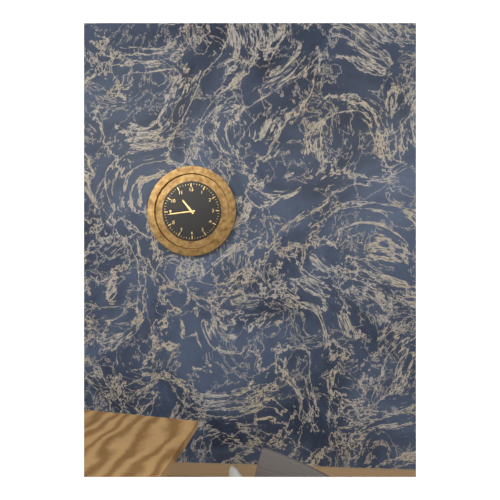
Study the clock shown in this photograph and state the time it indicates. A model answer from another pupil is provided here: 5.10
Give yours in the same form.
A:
10.44
